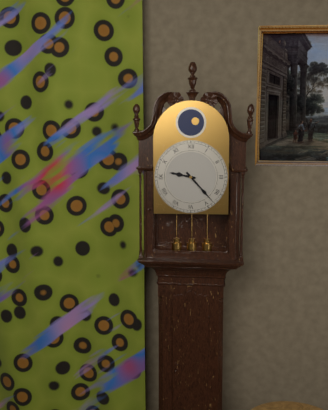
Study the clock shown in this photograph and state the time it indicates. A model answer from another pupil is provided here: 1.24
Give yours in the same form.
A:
9.23
